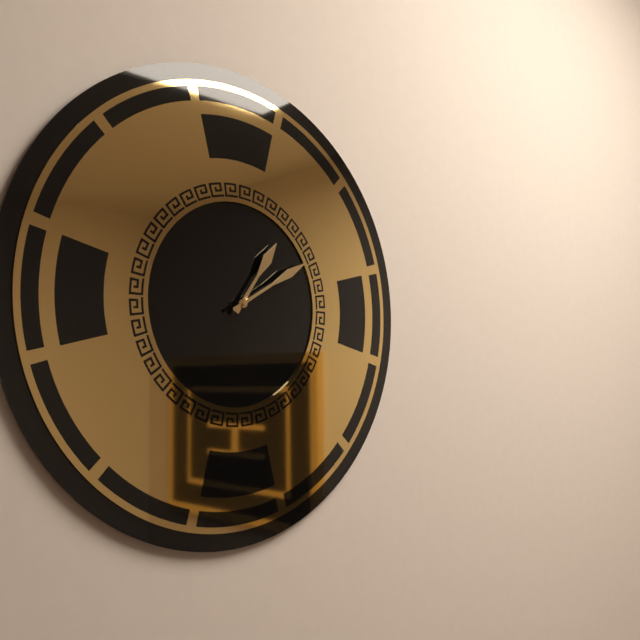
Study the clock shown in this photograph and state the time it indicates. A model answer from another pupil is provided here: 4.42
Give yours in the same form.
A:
1.10
